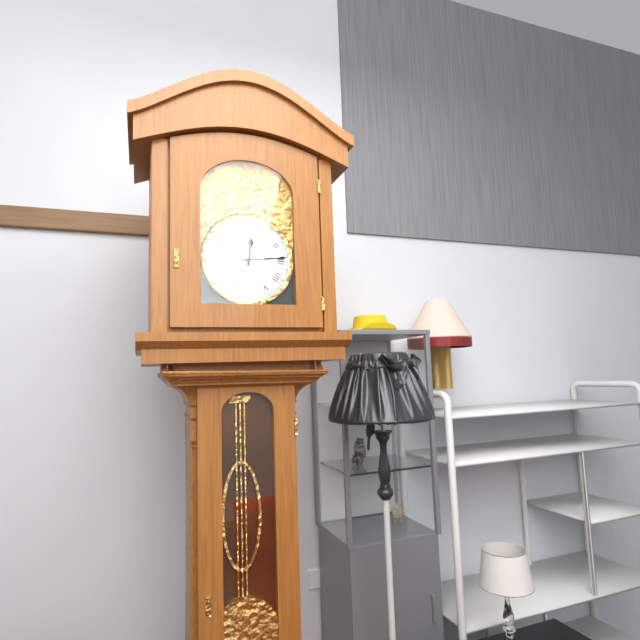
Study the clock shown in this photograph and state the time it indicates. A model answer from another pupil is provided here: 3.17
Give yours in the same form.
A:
12.14
